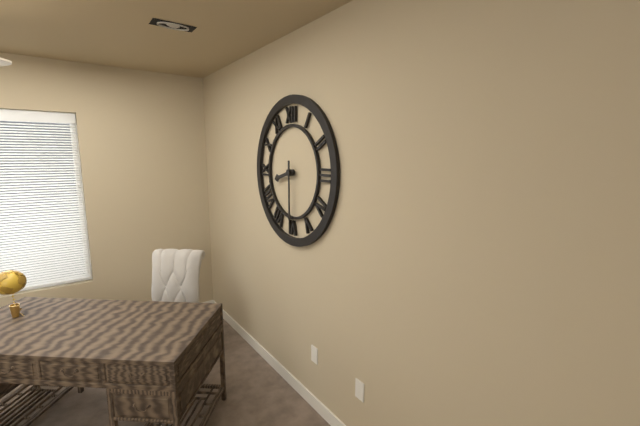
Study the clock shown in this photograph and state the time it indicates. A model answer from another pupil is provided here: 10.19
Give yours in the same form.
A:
8.30
